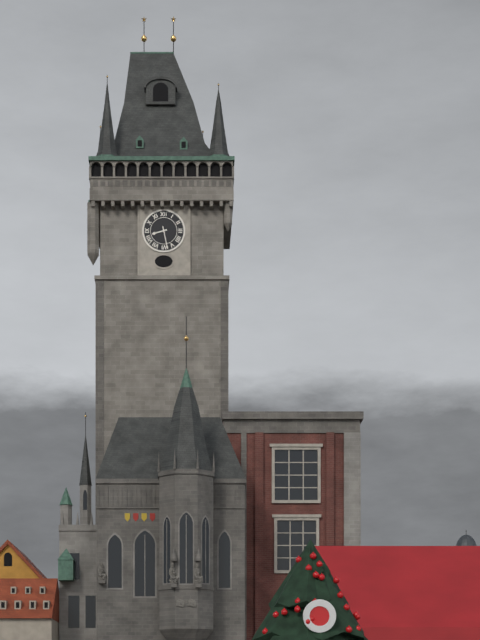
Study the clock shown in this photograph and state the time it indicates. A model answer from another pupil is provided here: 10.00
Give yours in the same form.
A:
8.28
